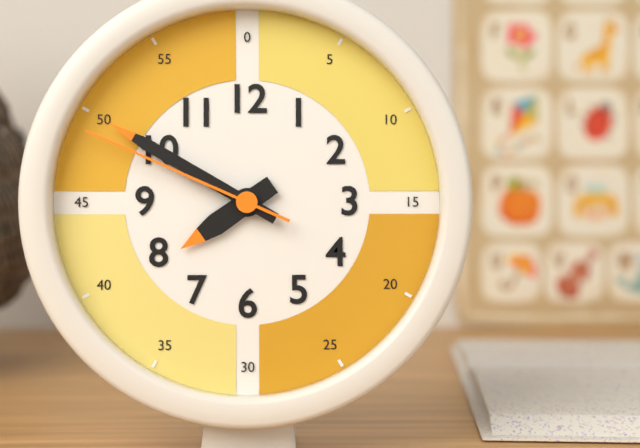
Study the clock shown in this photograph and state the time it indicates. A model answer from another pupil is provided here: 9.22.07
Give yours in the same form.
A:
7.50.49
